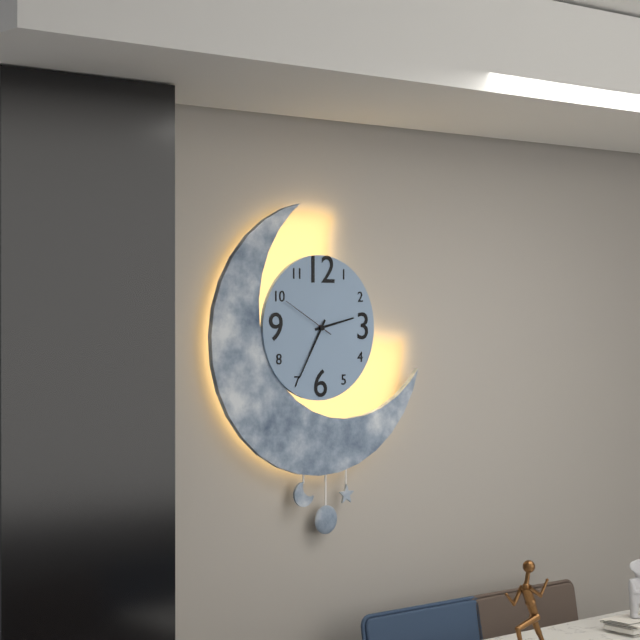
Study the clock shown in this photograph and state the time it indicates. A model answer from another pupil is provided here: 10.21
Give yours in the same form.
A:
2.35
